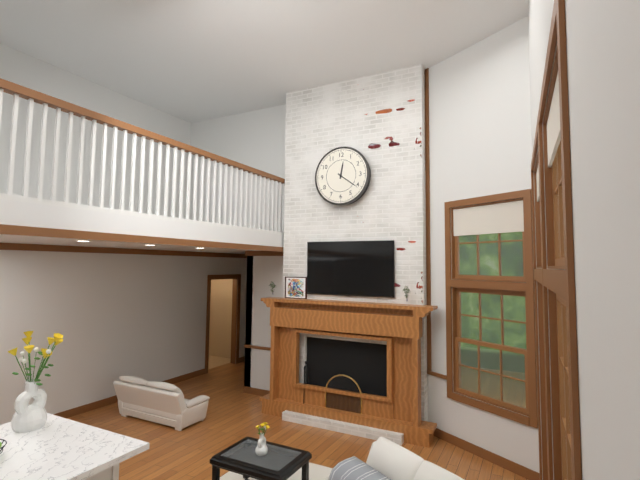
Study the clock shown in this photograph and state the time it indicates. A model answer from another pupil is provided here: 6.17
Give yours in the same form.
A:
12.21
